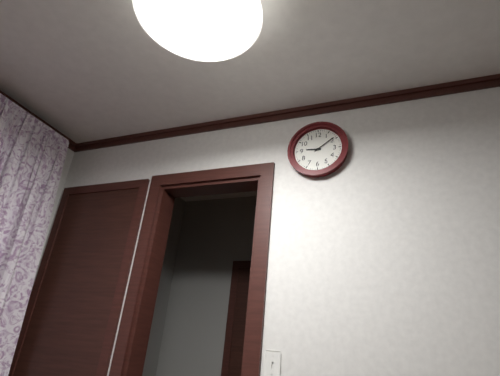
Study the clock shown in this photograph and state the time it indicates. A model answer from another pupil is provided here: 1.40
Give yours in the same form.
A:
9.09
